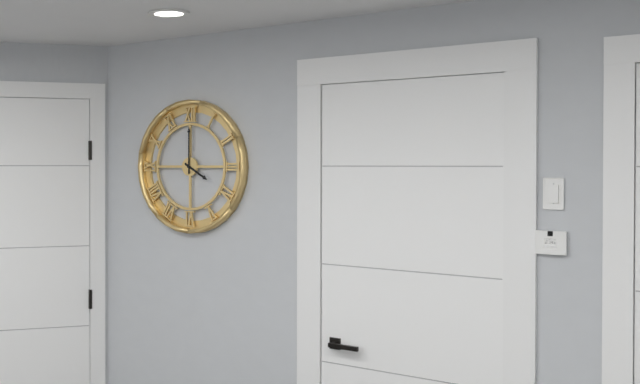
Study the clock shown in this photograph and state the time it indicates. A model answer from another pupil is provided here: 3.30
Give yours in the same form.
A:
4.00
